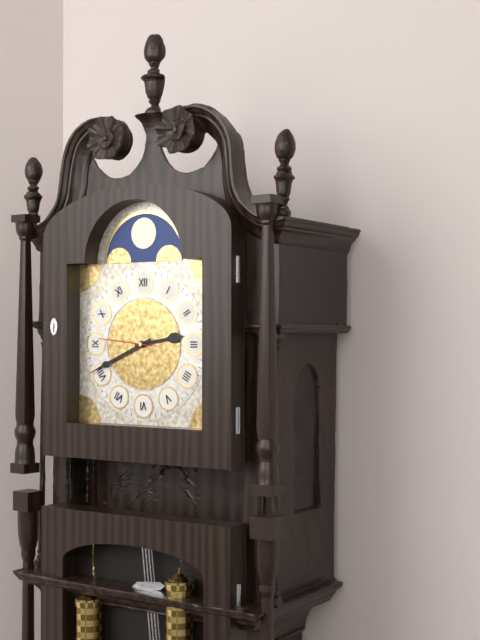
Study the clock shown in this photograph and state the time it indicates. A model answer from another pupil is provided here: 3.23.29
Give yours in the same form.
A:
2.41.46
